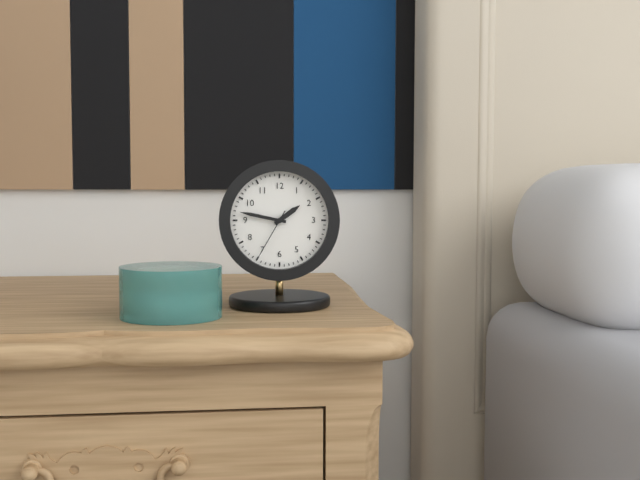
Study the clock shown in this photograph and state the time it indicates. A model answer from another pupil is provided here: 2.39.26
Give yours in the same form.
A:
1.47.35
